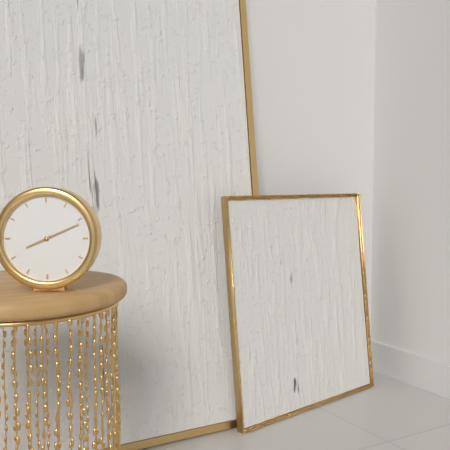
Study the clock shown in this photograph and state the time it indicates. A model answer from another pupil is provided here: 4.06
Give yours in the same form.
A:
8.11
